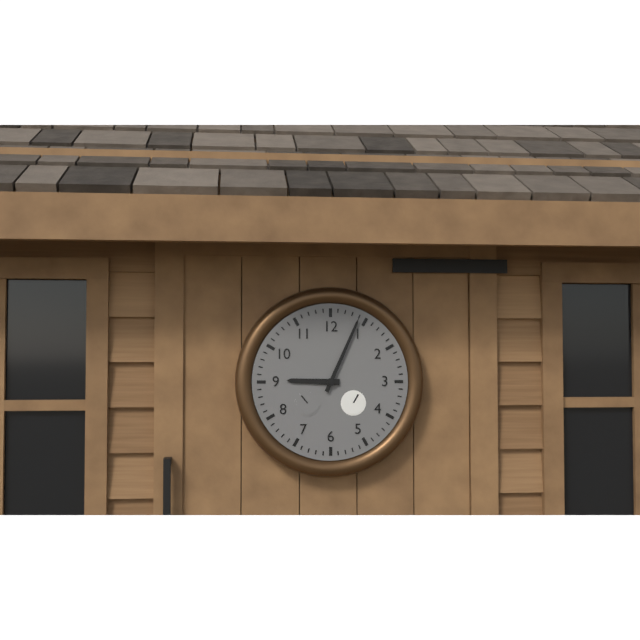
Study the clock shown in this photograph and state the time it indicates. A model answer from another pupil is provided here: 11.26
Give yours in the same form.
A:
9.04
